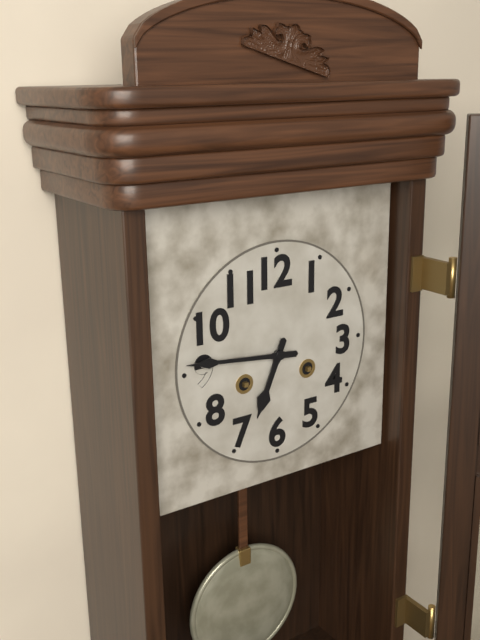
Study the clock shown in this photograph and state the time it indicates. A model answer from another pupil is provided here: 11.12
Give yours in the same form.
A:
6.46
